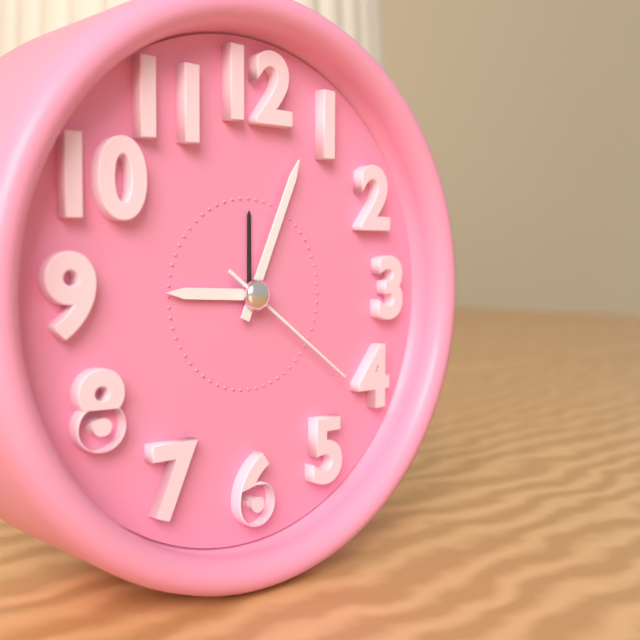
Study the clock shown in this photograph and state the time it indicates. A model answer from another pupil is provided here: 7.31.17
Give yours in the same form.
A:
9.04.21
